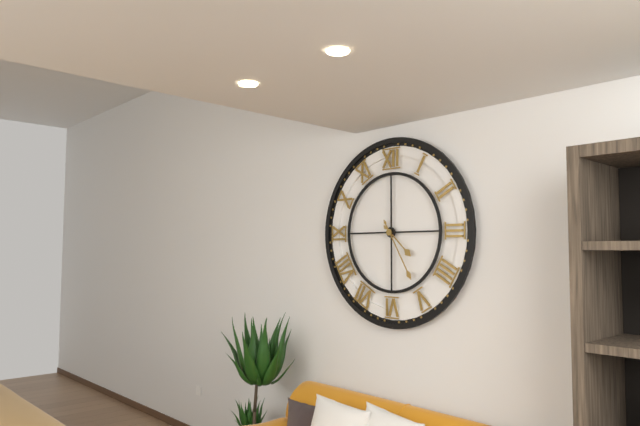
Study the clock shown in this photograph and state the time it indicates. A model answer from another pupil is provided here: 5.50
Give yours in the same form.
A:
4.25
